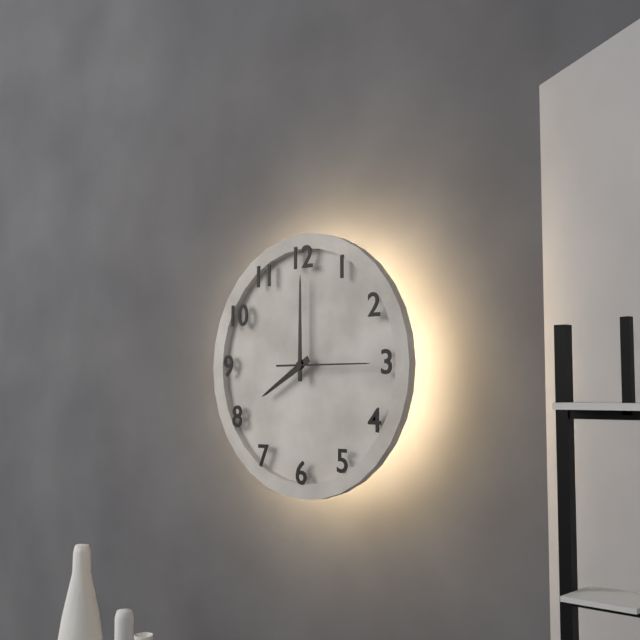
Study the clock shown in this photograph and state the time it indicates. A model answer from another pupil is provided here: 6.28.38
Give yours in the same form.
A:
8.00.15
